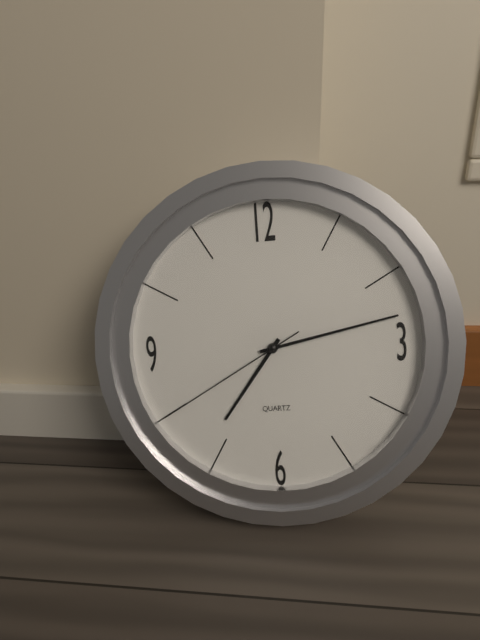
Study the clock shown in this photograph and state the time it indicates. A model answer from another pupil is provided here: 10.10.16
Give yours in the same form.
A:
7.13.40
